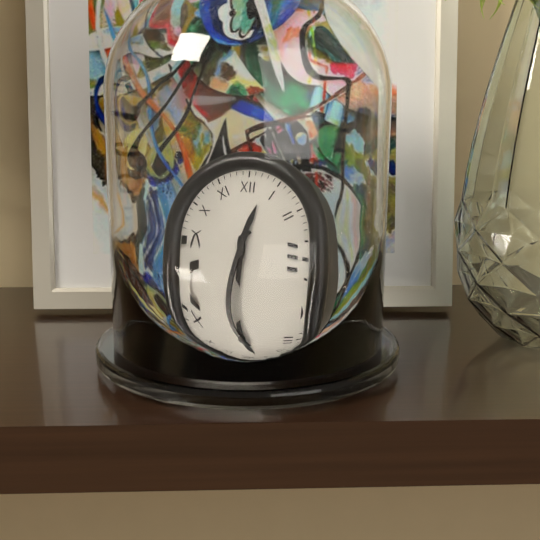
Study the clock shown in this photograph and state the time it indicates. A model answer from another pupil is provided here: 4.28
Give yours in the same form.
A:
12.38
